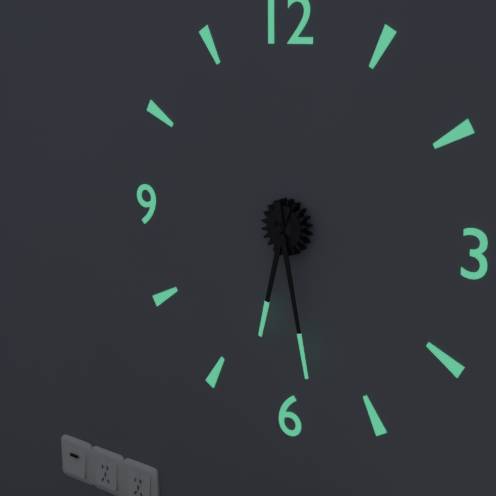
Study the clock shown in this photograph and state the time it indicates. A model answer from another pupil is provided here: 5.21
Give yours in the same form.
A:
6.28
